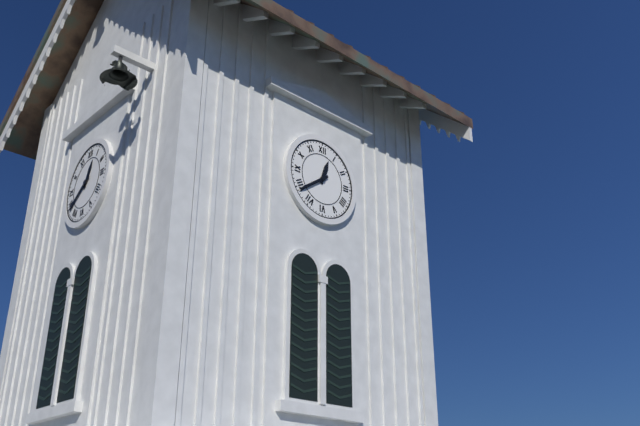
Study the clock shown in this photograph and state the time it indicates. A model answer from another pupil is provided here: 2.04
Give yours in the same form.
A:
12.39
